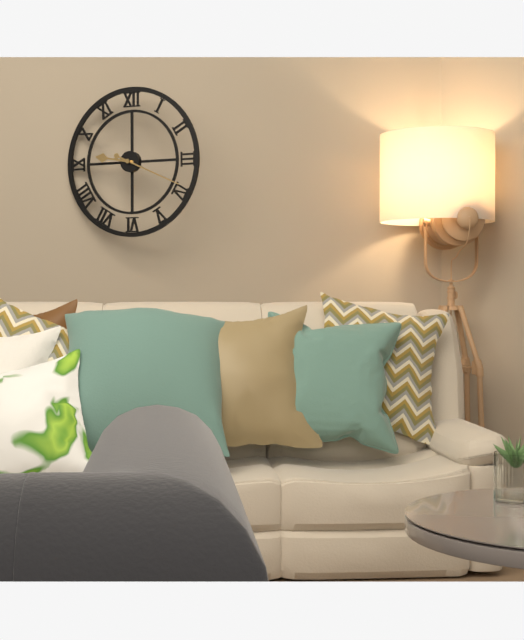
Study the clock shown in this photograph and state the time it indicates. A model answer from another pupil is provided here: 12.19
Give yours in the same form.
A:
9.19
